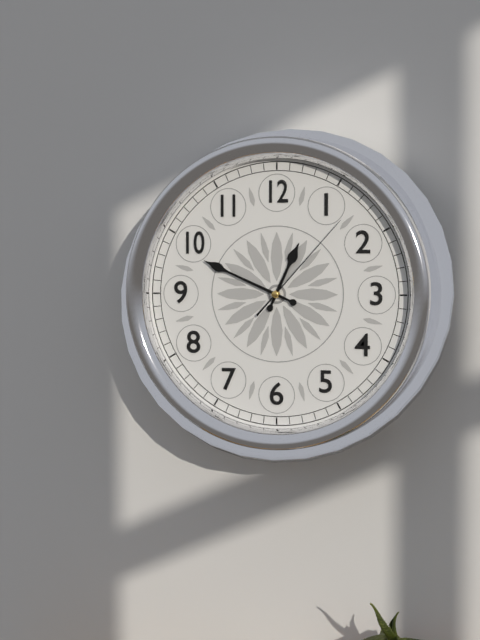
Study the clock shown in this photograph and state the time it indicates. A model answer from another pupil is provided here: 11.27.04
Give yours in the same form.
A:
12.49.07
